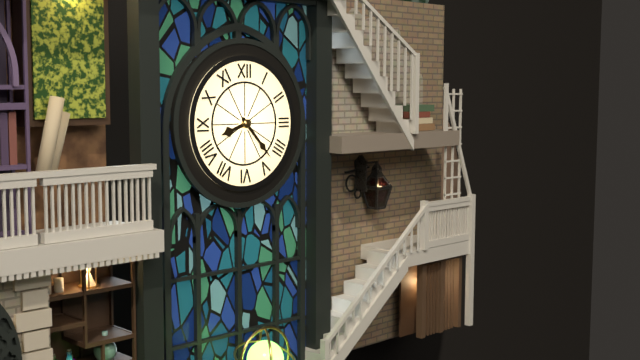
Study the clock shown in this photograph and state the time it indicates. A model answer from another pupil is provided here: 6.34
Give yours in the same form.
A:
8.23
